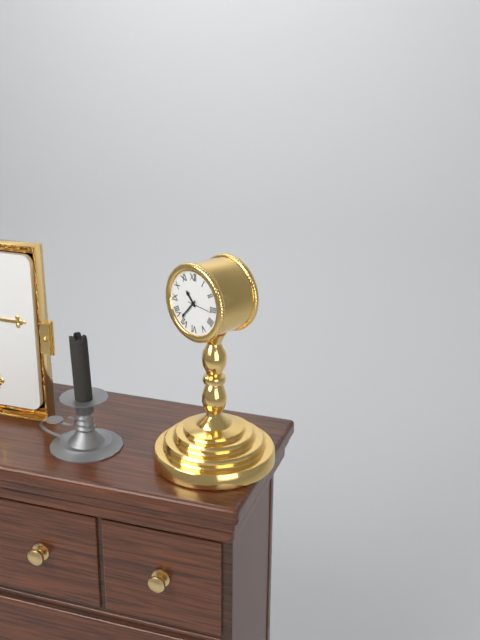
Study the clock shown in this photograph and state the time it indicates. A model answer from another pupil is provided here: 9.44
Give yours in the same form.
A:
10.37
